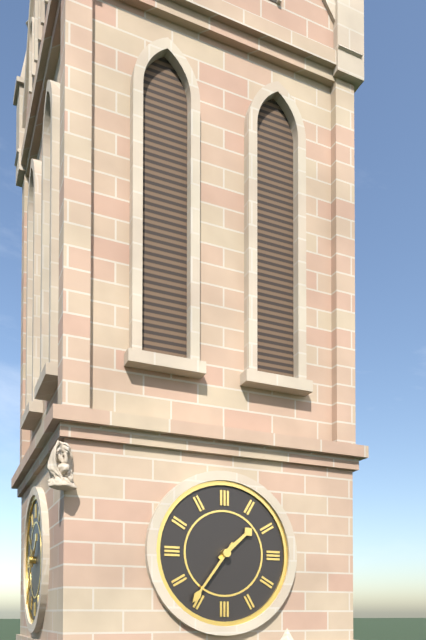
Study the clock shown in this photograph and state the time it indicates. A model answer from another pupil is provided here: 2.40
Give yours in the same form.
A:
1.36
